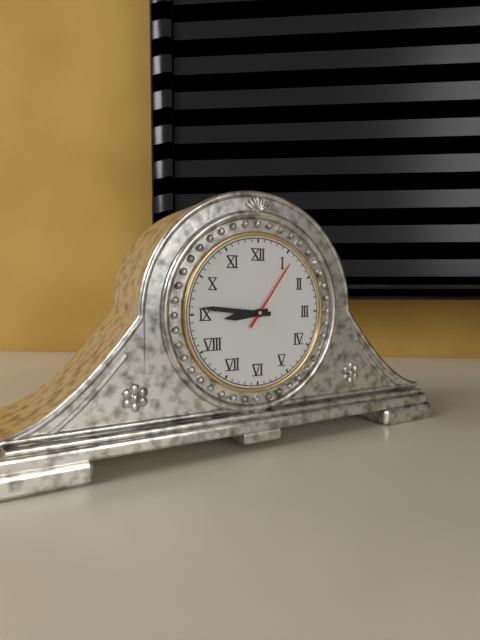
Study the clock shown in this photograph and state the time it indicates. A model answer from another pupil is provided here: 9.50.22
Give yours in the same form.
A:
8.46.06
